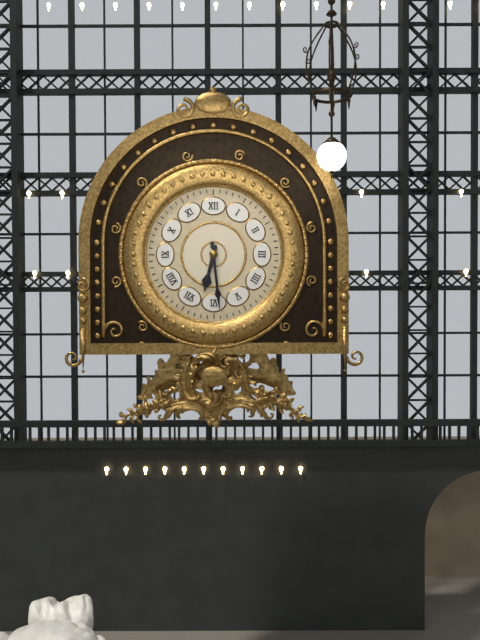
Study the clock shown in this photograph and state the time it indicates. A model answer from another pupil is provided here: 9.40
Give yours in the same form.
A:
6.29
